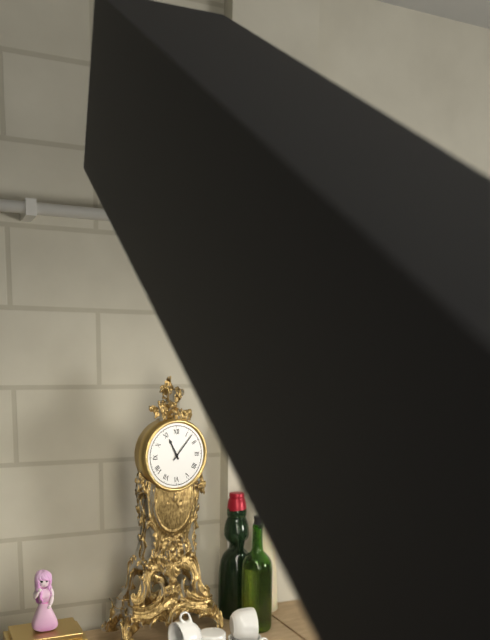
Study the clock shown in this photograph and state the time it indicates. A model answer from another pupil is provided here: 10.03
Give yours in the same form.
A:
11.07
